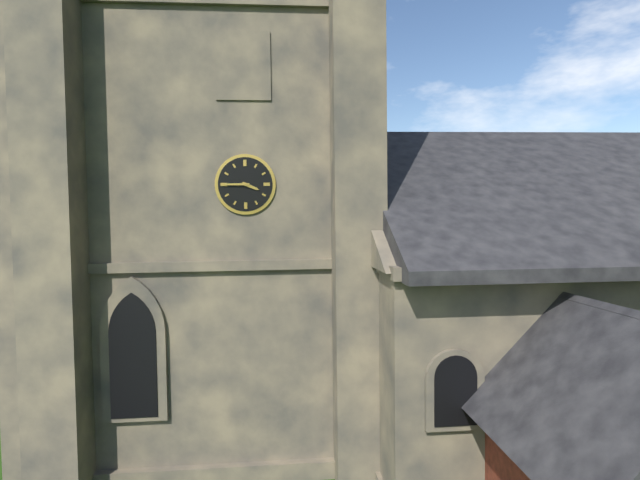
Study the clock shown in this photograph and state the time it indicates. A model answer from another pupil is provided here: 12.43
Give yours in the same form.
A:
3.45
